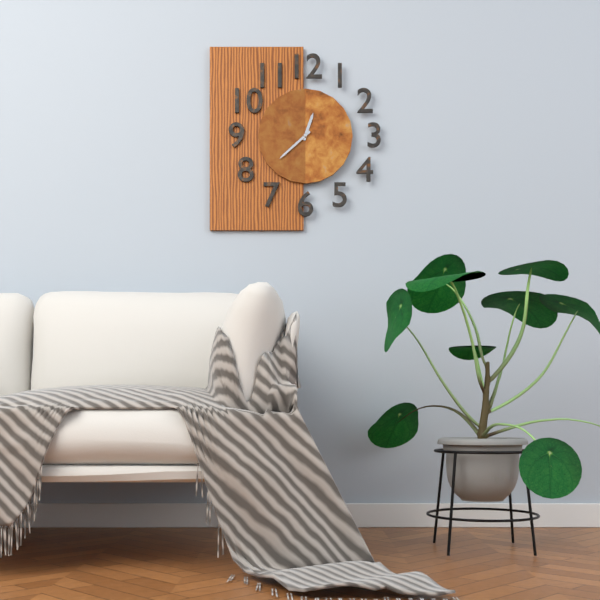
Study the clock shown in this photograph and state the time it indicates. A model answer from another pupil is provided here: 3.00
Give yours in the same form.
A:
12.38
